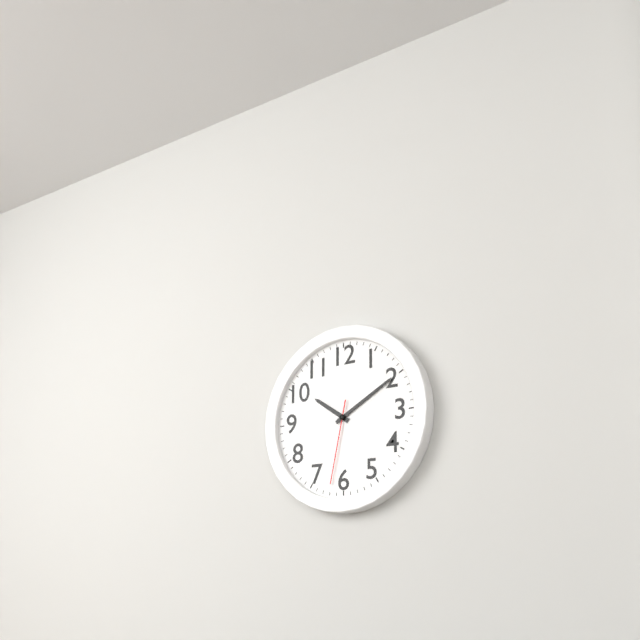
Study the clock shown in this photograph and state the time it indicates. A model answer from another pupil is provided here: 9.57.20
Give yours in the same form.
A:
10.10.32
